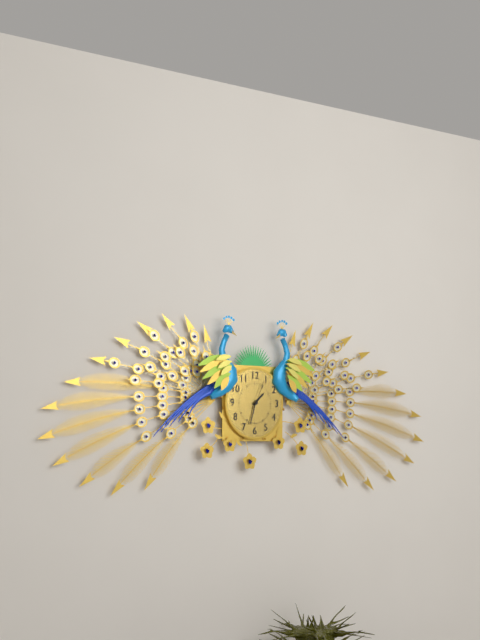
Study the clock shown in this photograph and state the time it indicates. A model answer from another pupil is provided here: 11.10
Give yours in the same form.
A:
1.33
